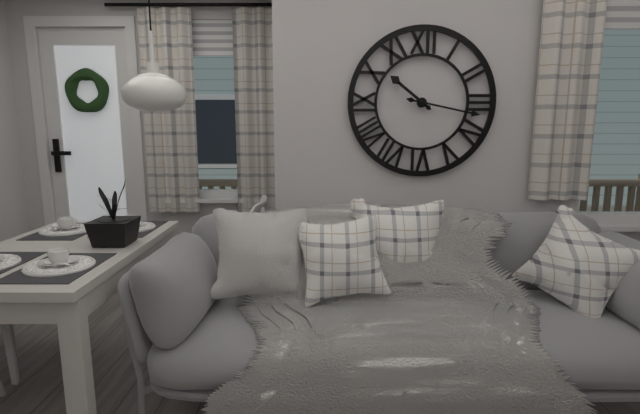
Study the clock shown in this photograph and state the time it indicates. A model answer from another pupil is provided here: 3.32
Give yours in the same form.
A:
10.17
